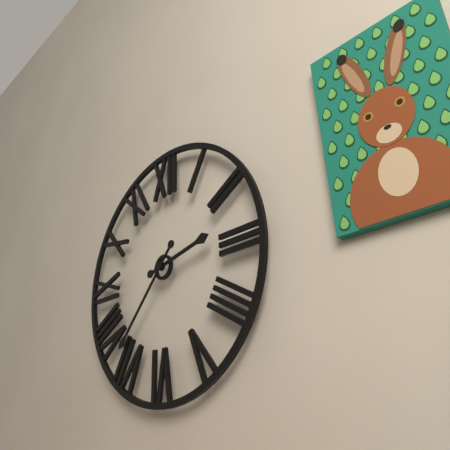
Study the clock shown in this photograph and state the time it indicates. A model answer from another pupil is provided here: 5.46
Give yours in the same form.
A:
2.37
